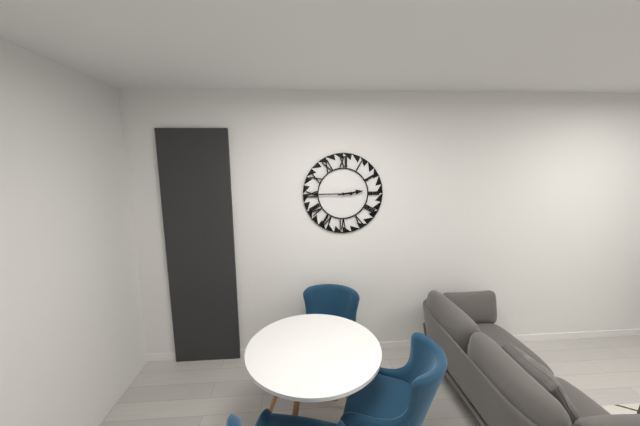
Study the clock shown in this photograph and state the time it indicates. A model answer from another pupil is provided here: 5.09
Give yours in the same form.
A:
2.45
